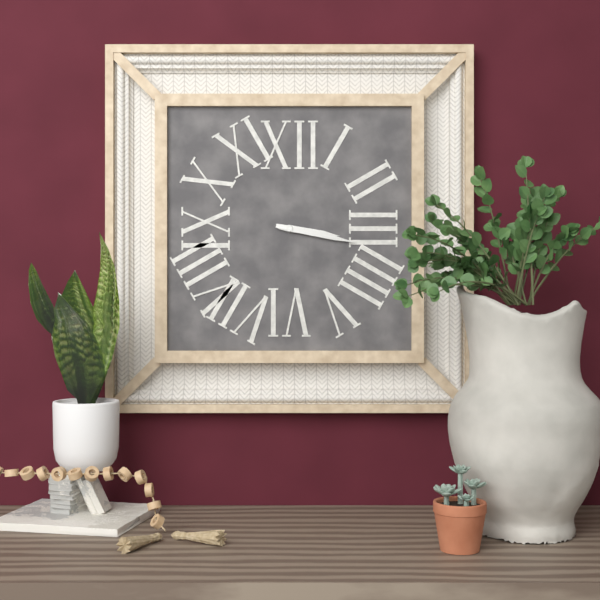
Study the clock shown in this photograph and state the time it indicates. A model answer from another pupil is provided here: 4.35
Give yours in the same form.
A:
3.17
